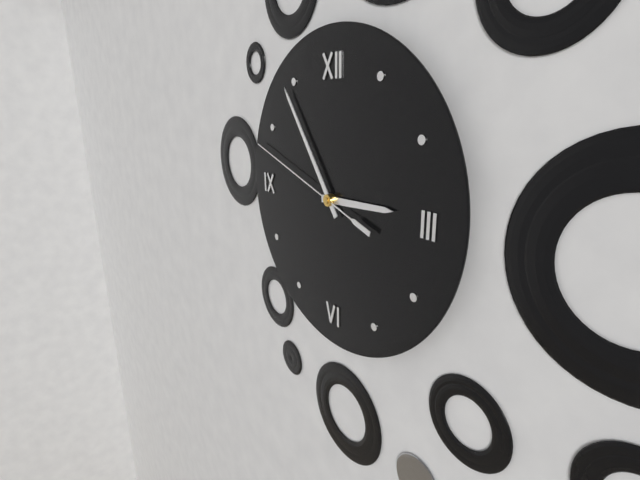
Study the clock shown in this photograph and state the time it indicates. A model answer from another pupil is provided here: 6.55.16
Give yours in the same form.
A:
2.54.48
